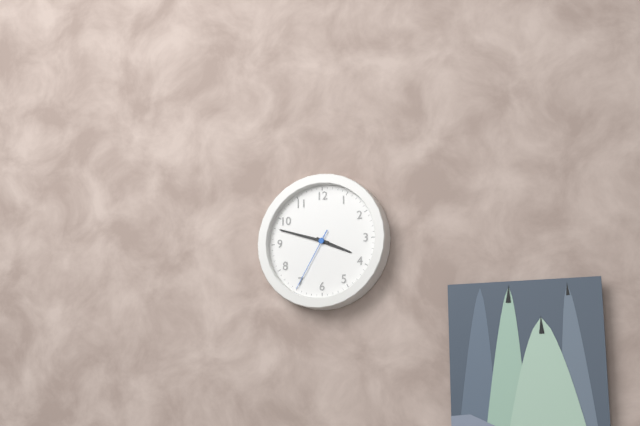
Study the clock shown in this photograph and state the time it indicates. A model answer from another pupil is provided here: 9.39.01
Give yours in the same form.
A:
3.48.35
